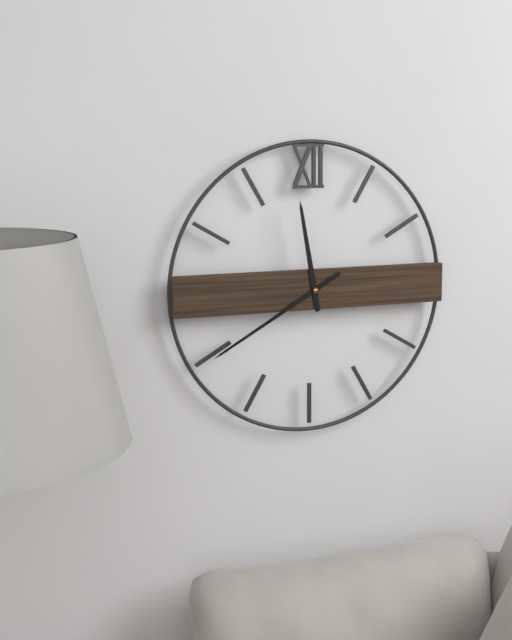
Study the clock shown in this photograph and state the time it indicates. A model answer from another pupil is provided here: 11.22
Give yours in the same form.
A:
11.40
